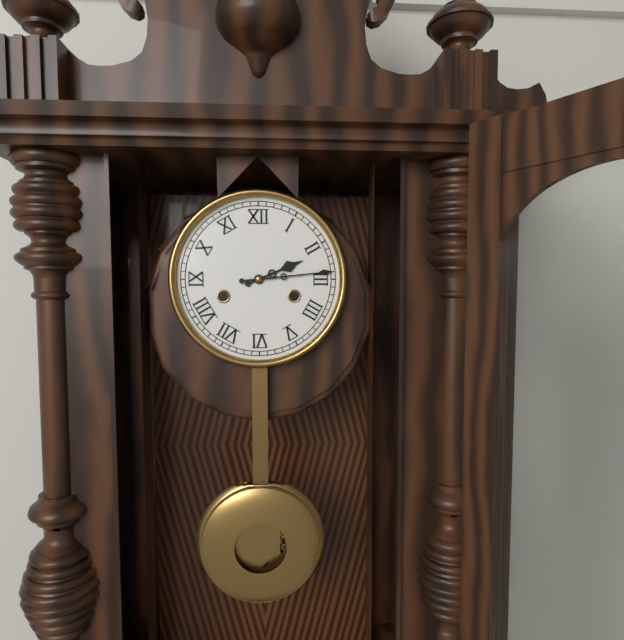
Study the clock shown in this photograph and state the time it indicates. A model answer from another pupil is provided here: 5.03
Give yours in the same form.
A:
2.14
